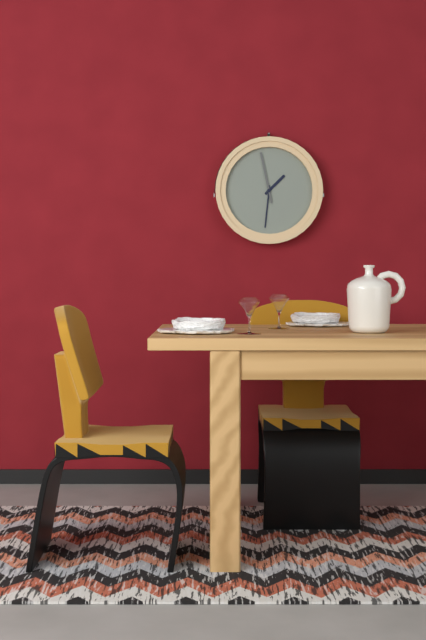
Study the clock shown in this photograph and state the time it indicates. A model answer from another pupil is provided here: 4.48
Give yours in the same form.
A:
1.31
